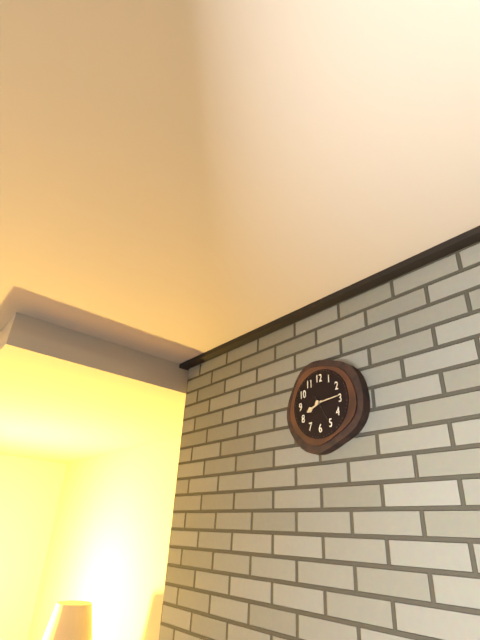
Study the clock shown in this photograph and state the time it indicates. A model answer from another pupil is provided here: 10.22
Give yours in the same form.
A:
8.14
